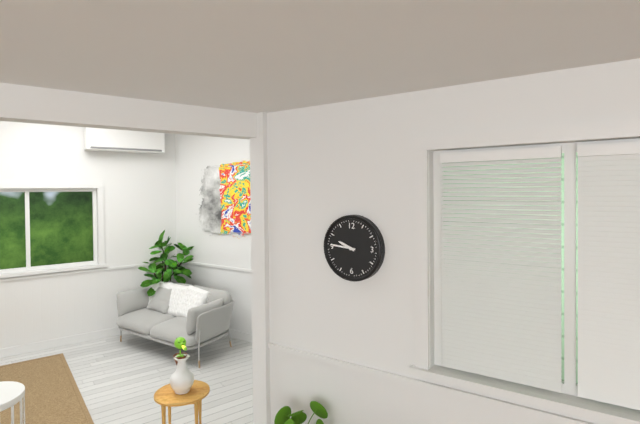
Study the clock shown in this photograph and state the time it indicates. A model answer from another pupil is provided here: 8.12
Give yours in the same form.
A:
9.46
